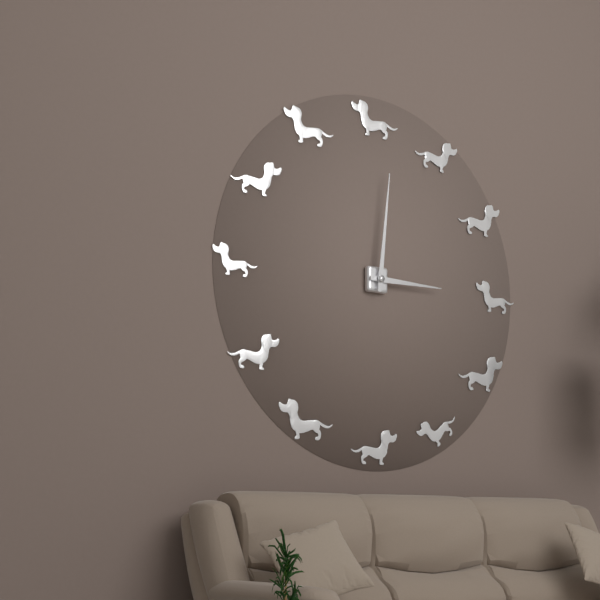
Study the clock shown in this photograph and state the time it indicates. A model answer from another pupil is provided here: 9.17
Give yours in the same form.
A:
3.01
